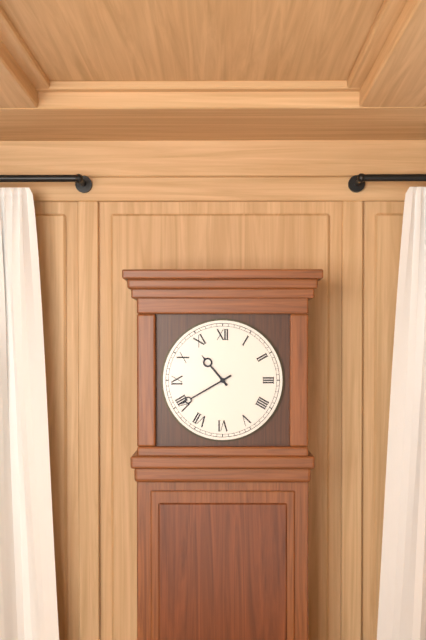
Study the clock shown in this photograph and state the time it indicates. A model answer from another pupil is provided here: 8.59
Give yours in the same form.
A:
10.40
